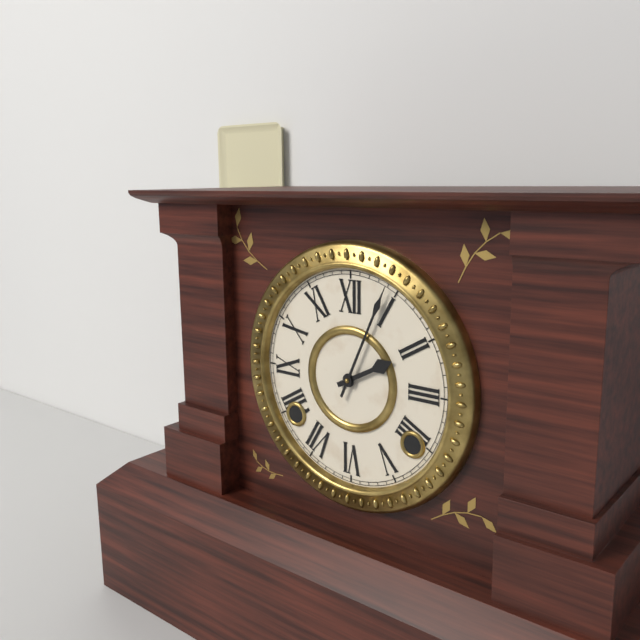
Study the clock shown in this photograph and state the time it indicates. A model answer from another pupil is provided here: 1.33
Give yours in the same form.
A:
2.04
